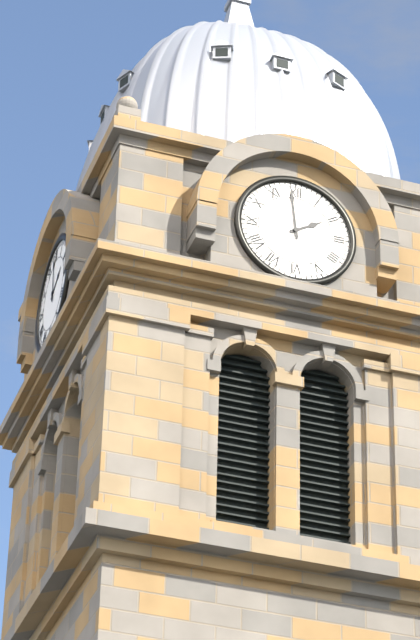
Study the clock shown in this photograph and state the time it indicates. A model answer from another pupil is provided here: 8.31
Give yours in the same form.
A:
1.59
